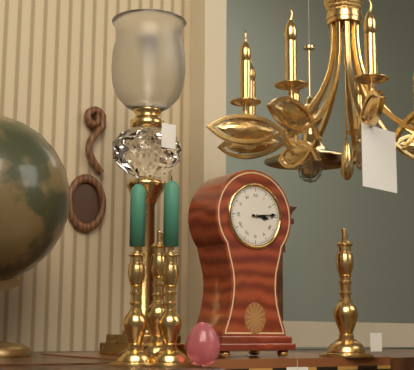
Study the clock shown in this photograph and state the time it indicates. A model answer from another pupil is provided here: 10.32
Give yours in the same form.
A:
3.14
